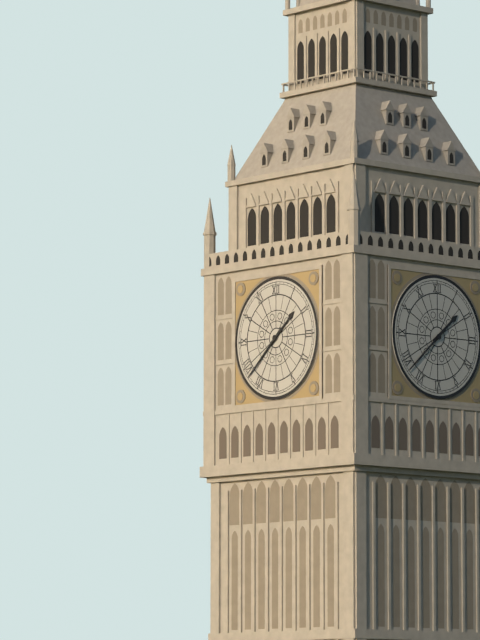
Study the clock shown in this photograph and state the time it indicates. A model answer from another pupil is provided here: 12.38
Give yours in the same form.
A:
1.38
